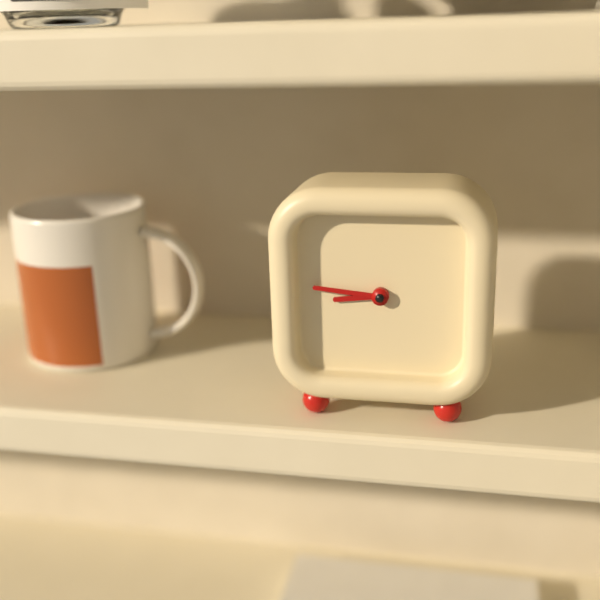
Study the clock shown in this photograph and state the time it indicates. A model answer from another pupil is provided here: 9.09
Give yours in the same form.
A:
8.46
